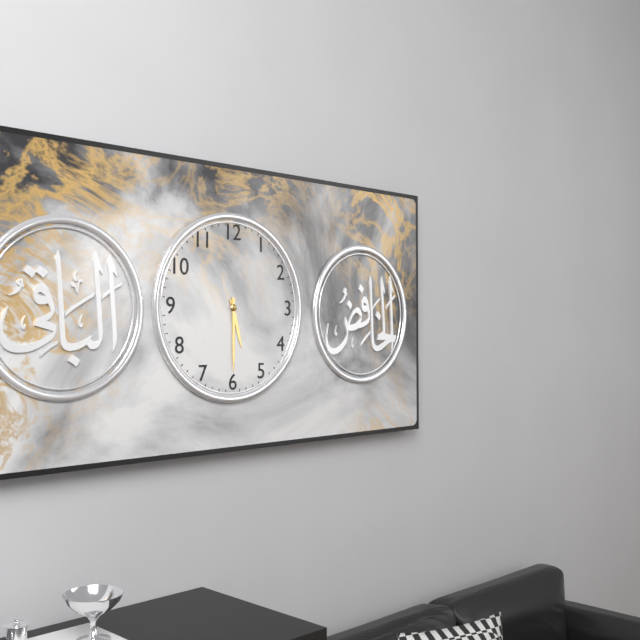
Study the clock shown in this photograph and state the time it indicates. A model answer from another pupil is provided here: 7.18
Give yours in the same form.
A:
5.30
